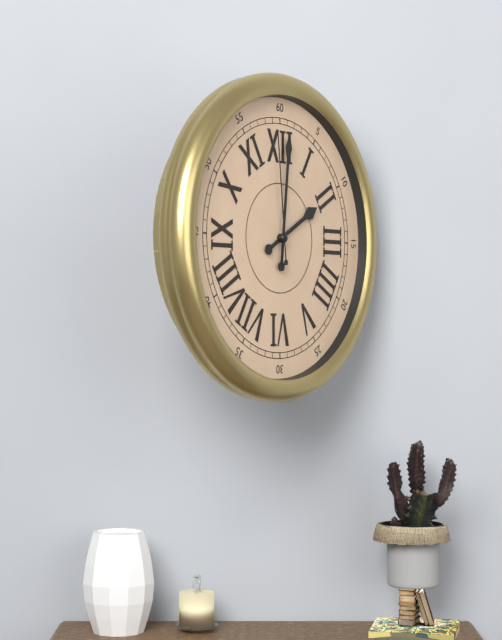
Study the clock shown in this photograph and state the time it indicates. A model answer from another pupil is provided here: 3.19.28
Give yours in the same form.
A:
2.01.59
